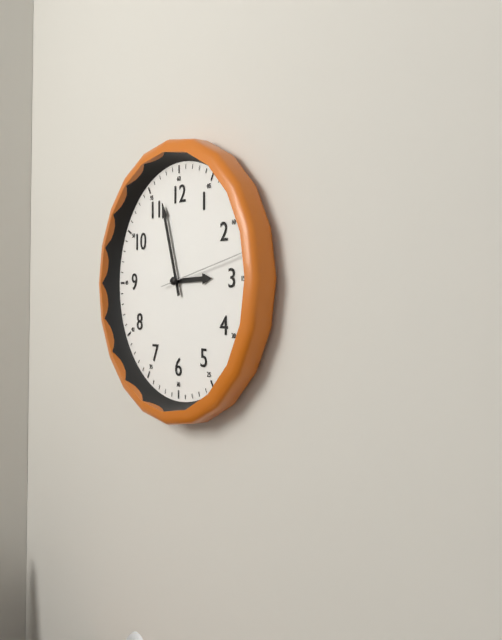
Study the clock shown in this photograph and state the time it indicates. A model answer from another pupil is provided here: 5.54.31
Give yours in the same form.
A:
2.57.13
